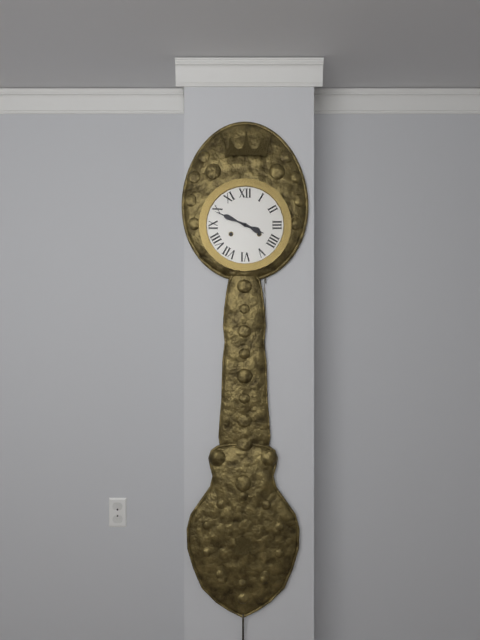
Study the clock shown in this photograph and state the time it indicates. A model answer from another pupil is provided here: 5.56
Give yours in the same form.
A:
3.49
